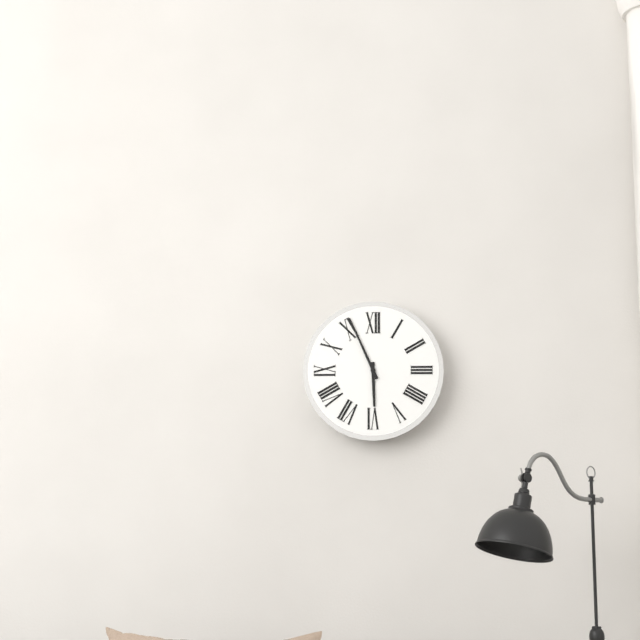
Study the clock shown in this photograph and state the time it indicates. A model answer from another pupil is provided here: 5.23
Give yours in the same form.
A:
5.56
